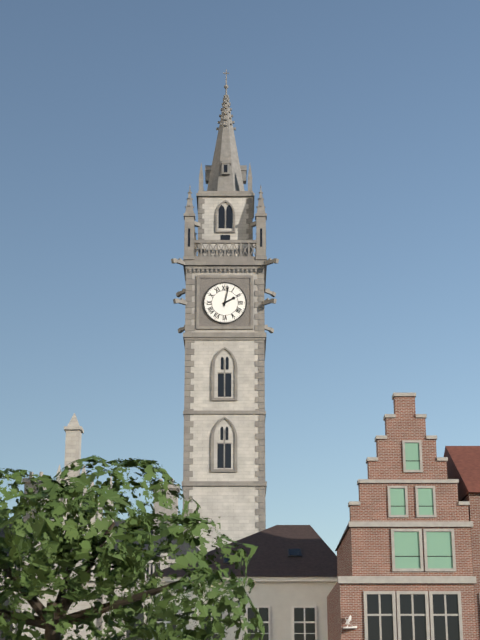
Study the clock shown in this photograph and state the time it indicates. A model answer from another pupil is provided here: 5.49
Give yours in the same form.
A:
2.02
